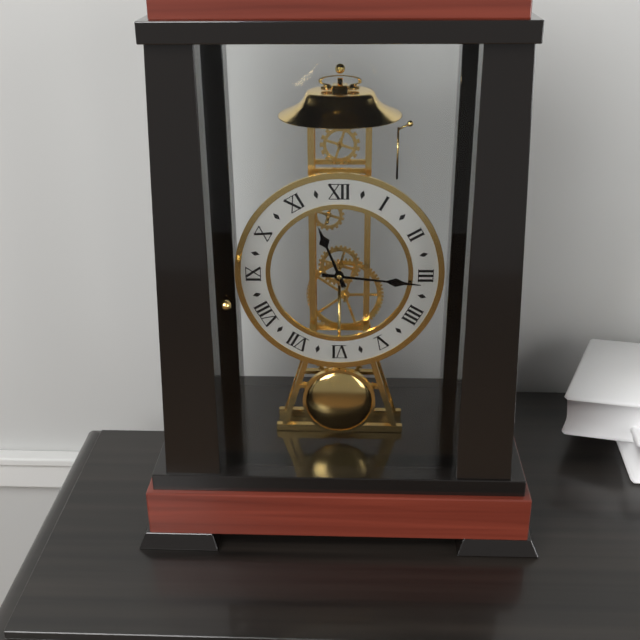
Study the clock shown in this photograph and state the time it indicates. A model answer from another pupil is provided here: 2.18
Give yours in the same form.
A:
11.16
